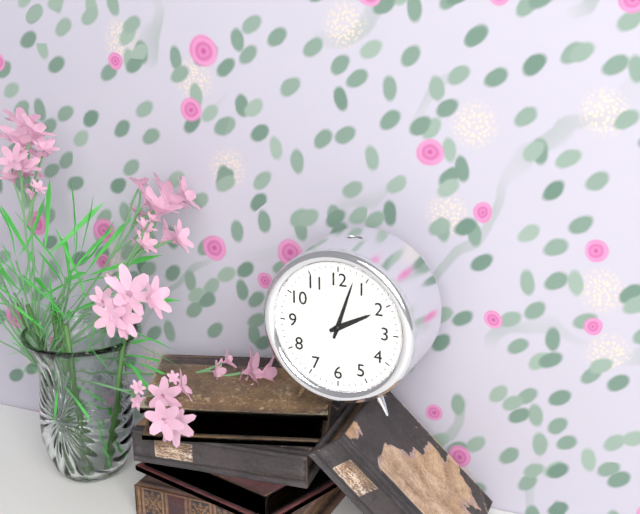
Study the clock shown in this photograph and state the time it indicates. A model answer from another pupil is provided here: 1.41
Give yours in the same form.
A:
2.03
